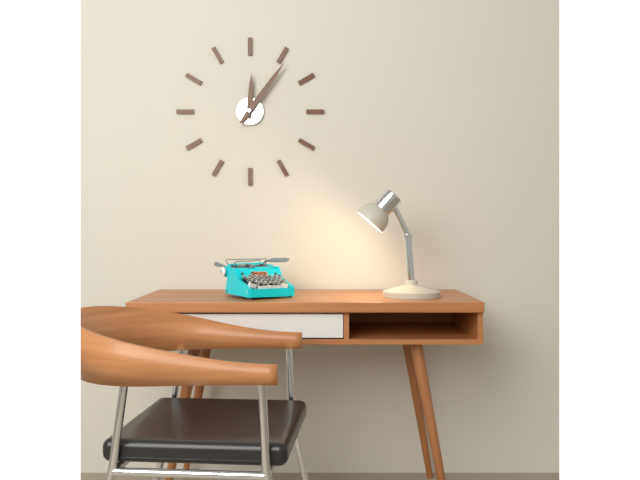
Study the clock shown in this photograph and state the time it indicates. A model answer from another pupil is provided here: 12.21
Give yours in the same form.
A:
12.06
